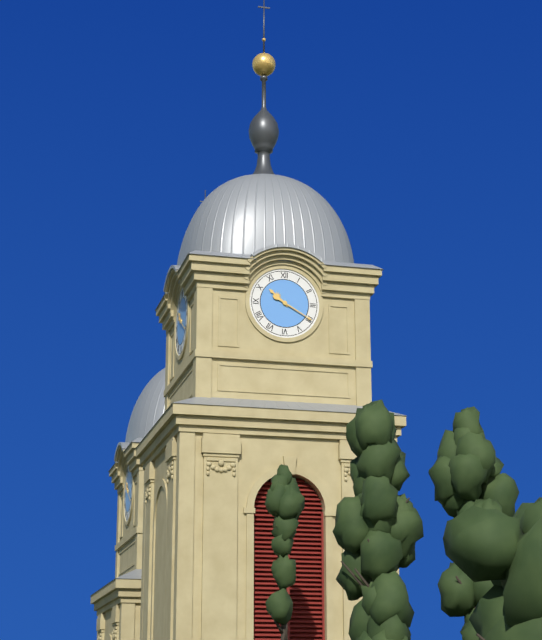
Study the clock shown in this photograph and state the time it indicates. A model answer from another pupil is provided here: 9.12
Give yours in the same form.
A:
10.20
